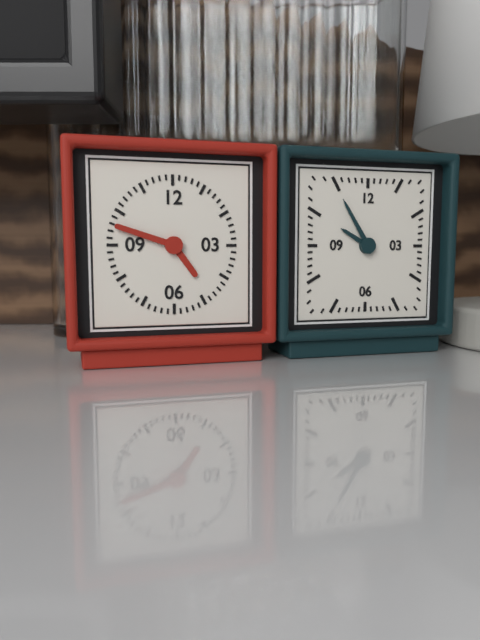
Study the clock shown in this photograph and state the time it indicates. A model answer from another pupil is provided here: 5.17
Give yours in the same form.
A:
4.48
